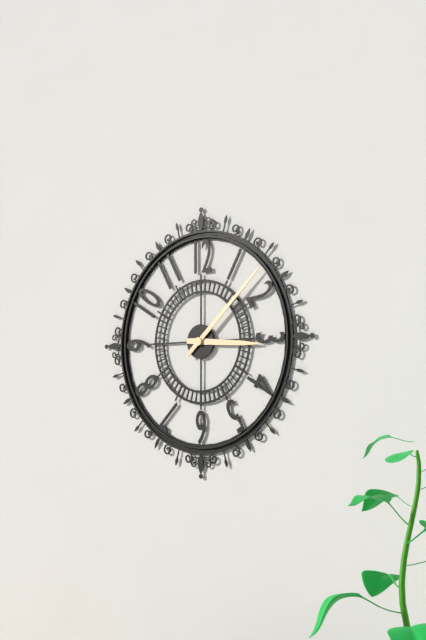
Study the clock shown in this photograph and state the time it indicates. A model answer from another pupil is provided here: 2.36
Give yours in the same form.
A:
3.08
